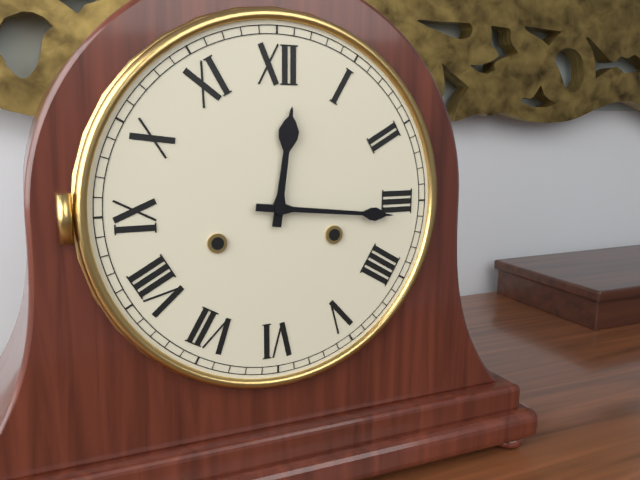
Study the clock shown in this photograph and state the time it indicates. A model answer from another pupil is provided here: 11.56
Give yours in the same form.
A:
12.16
